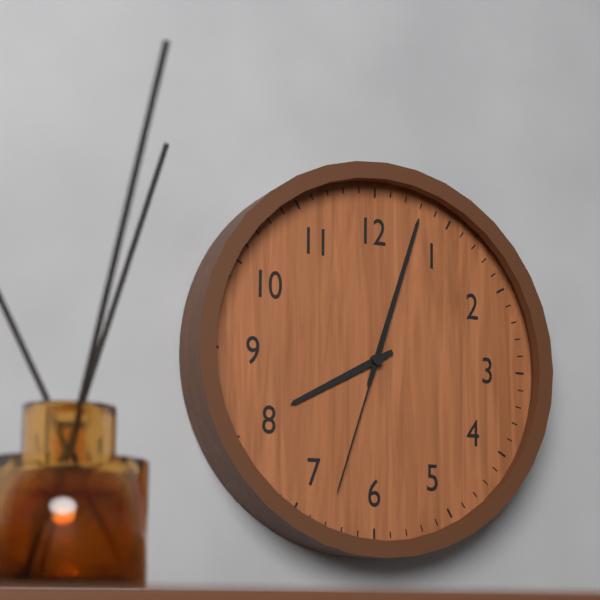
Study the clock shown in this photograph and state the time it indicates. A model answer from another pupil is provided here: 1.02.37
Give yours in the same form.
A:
8.03.33
